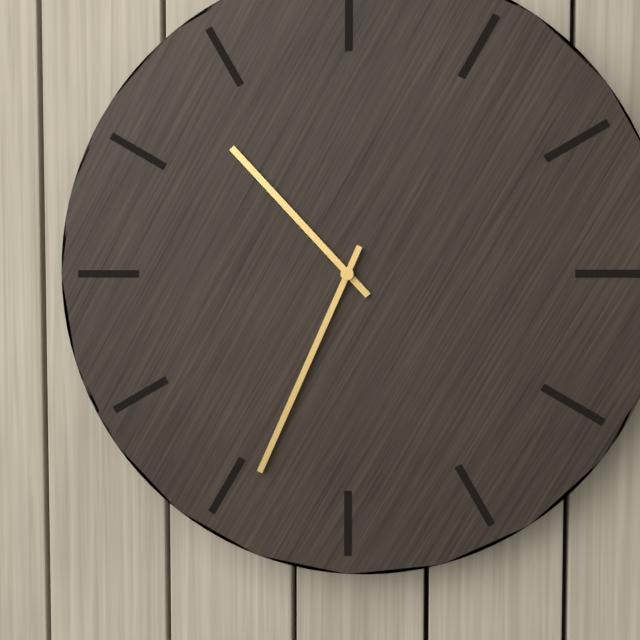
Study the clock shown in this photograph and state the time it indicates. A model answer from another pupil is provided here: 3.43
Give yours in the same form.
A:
10.34
